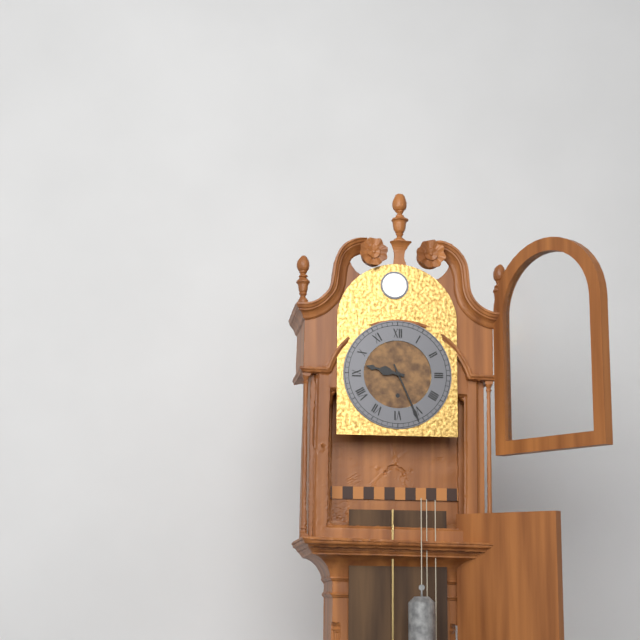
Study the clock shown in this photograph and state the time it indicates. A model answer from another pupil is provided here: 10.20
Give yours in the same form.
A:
9.26
